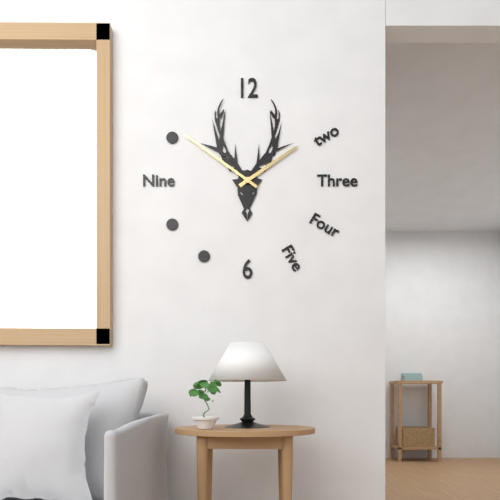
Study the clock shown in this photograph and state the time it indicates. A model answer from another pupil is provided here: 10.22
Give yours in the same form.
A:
1.51
